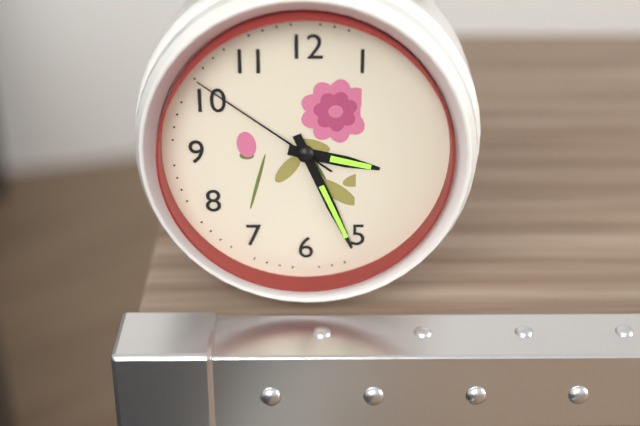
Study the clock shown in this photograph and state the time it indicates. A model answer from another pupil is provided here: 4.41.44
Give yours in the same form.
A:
3.26.51
